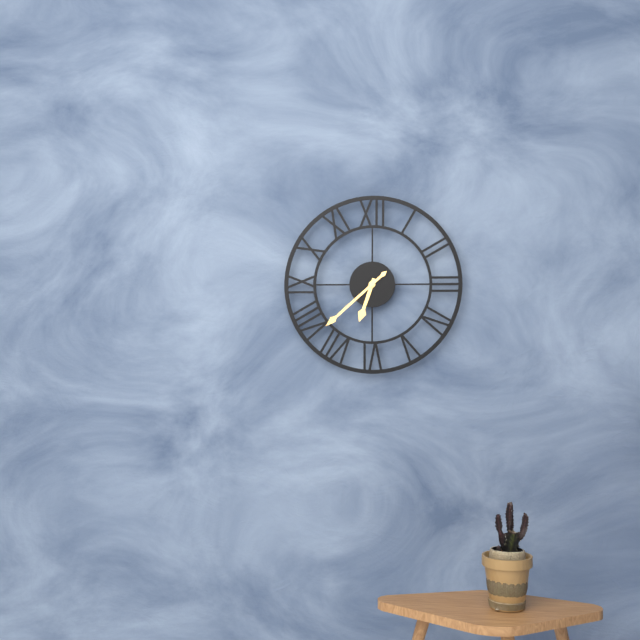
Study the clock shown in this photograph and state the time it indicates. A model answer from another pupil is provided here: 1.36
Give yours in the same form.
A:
6.38
